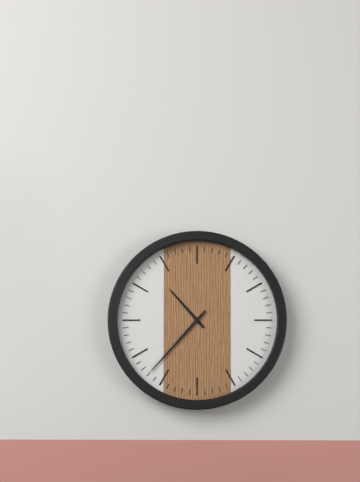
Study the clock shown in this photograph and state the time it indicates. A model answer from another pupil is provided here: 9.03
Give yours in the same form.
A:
10.37
